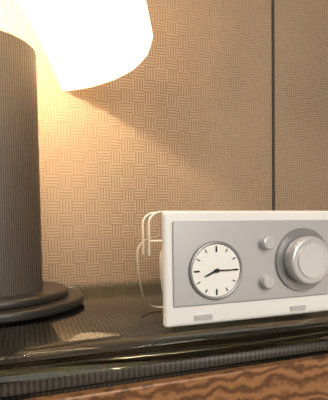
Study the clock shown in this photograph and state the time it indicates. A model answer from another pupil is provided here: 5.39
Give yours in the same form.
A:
8.15
